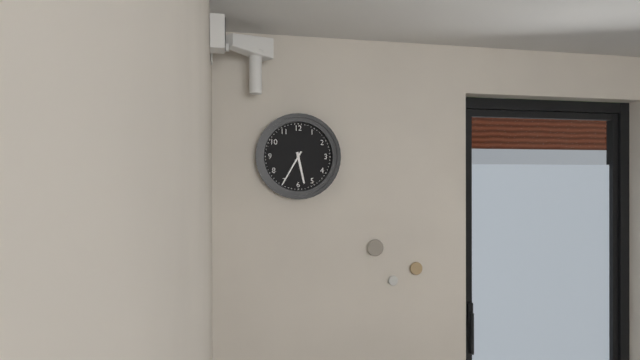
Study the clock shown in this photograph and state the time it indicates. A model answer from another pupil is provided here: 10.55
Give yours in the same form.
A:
5.35
